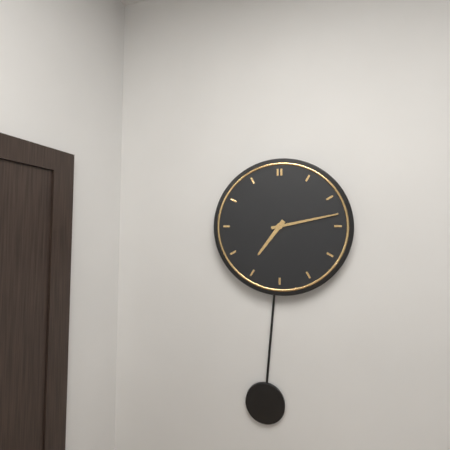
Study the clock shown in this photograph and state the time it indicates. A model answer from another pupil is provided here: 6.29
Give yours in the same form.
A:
7.13
